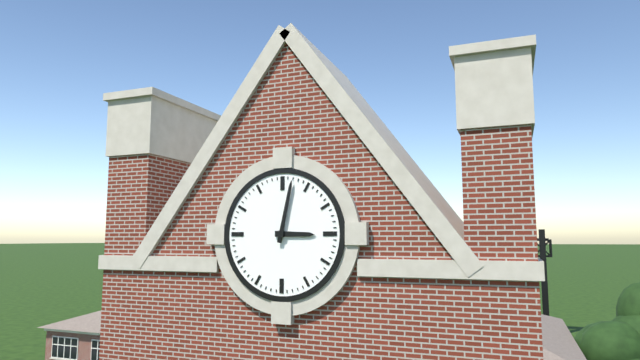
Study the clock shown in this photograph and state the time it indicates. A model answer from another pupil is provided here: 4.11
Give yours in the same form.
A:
3.02
